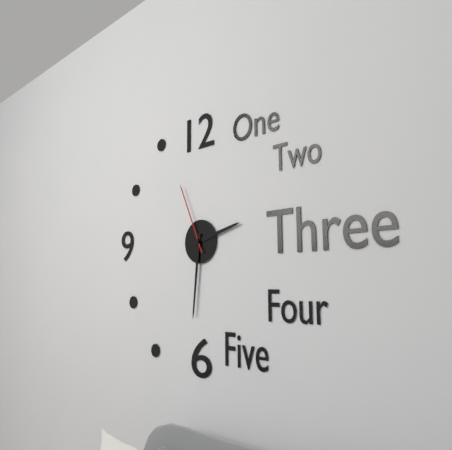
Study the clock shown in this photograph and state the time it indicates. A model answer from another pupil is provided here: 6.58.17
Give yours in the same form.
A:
2.31.56
